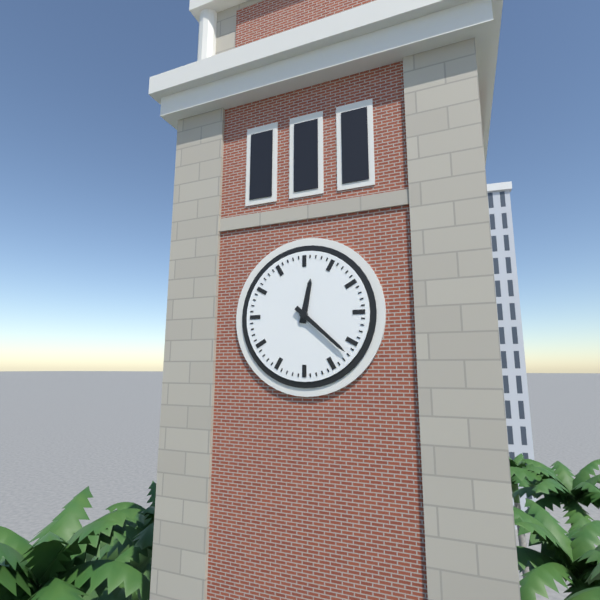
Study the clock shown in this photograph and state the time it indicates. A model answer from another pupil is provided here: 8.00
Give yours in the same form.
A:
12.22
